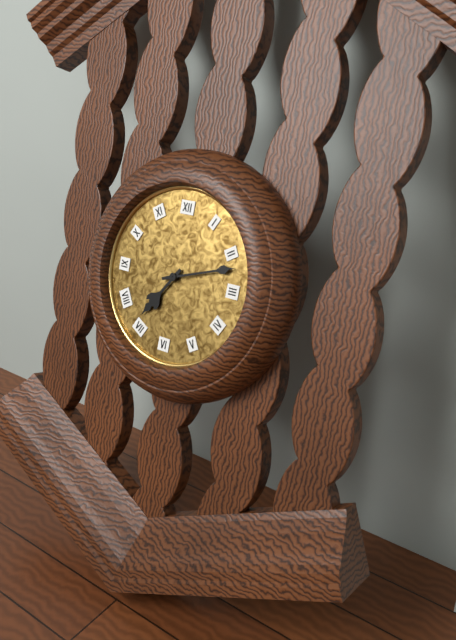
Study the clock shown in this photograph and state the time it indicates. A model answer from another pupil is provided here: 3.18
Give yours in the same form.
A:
7.12
